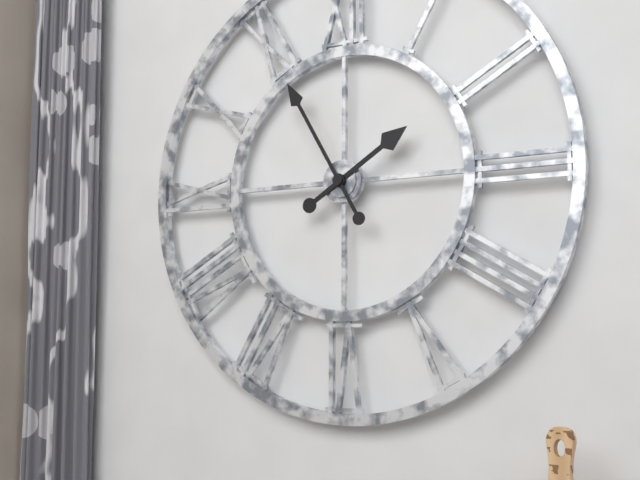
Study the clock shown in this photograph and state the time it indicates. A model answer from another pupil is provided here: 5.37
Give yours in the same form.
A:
1.55
